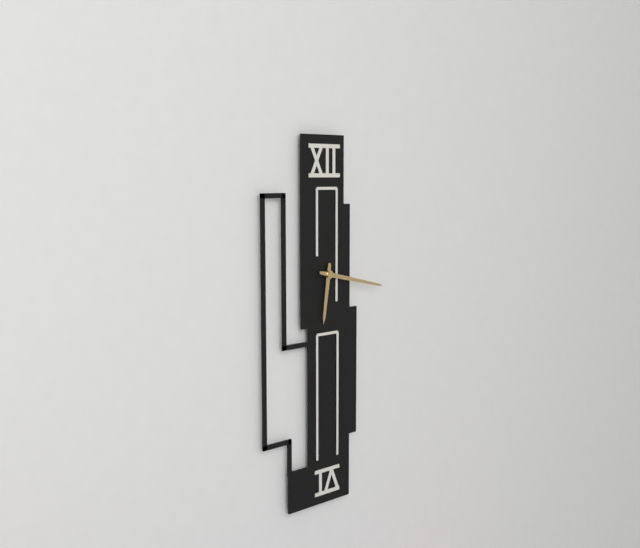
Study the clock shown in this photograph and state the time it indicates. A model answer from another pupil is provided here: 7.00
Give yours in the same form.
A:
6.17
